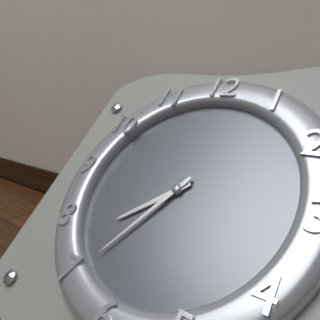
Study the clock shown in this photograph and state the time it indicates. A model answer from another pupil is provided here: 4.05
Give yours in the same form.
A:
7.35
